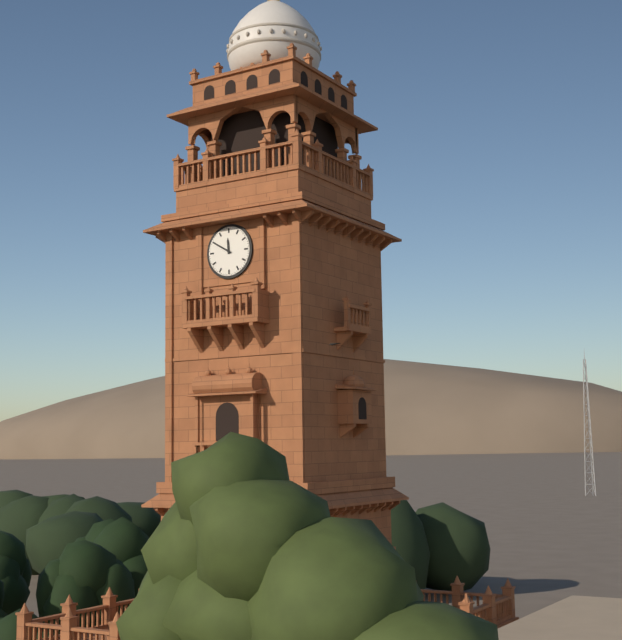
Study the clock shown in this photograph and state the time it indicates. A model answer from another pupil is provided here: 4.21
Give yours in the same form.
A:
11.50
